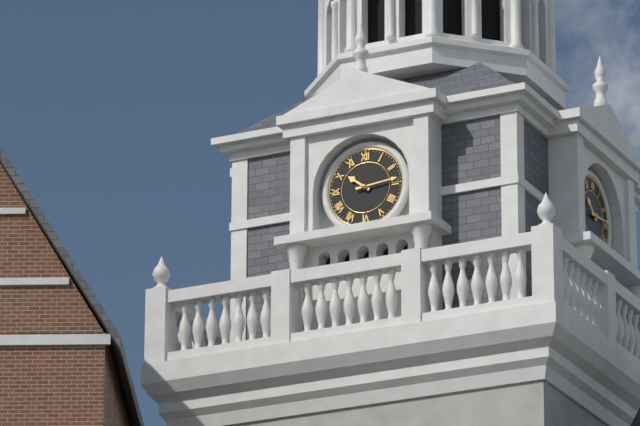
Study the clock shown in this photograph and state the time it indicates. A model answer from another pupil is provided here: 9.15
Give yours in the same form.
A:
10.14
